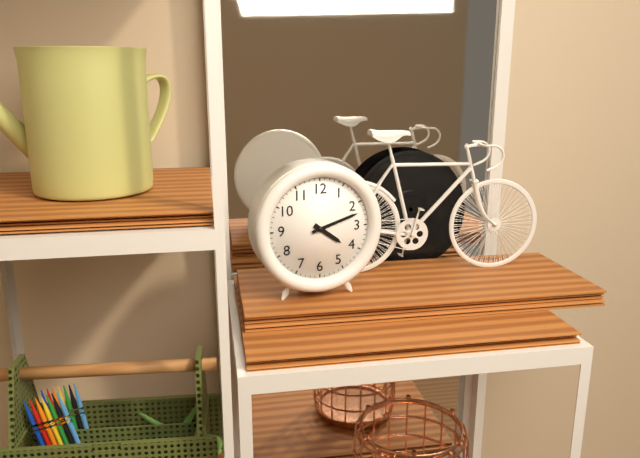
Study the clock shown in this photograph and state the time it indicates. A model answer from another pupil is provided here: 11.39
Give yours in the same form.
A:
4.12
